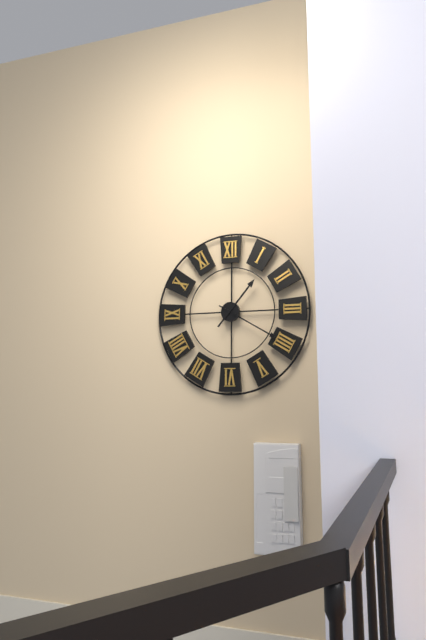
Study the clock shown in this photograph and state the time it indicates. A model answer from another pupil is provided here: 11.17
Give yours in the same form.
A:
1.20
